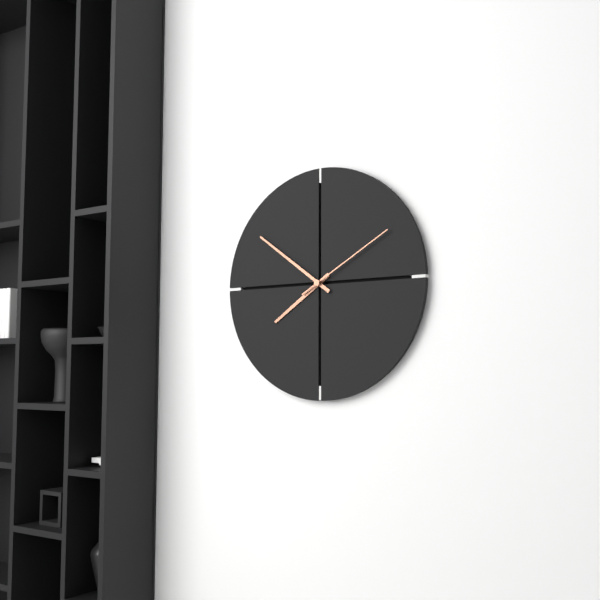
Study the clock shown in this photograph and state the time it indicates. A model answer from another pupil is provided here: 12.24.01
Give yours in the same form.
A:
7.51.10
